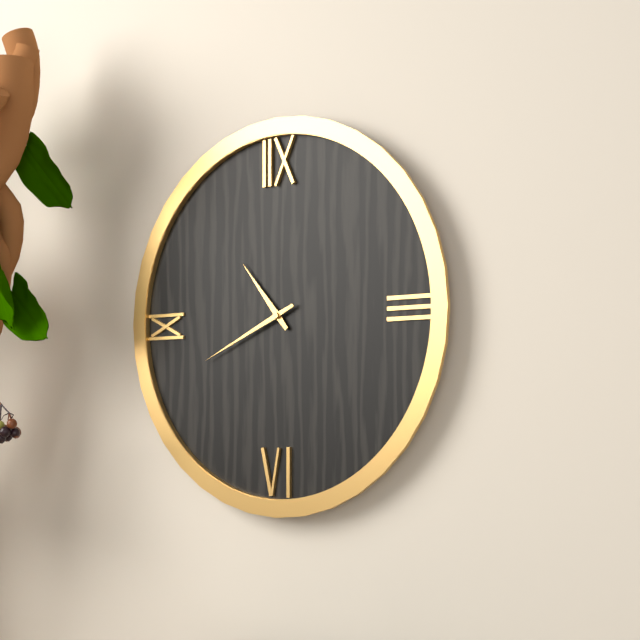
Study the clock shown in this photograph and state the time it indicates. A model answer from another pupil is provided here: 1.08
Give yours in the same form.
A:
10.41
